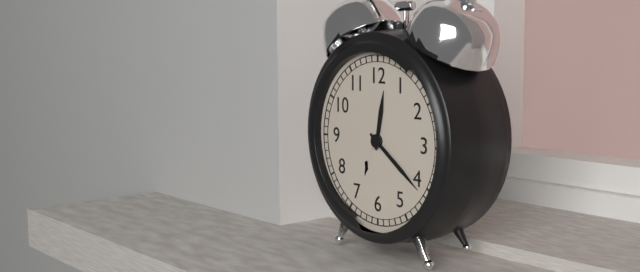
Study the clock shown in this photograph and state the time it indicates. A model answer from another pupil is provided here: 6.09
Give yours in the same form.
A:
12.21
